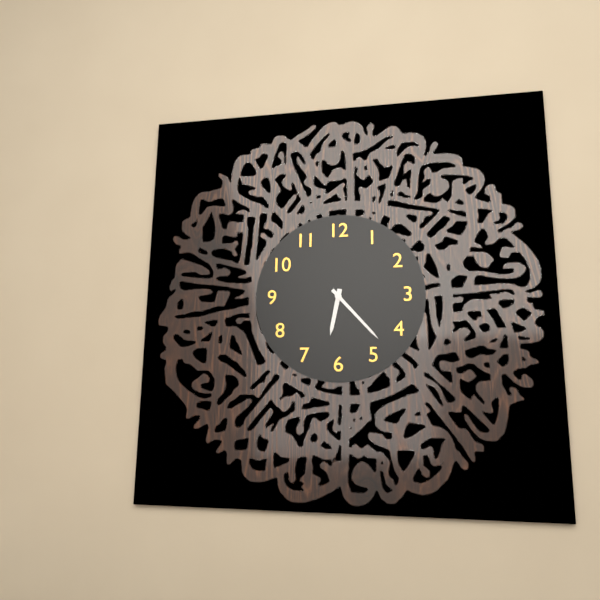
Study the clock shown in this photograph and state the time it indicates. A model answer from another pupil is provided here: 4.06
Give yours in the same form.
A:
6.23
